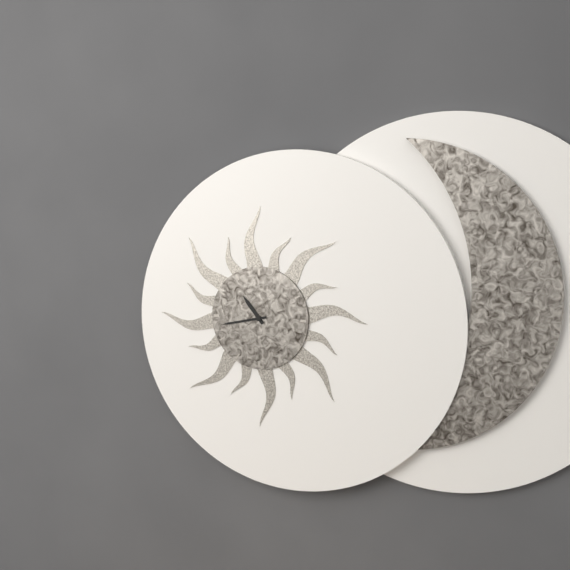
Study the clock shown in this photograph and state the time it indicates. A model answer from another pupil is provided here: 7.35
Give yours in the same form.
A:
10.43
